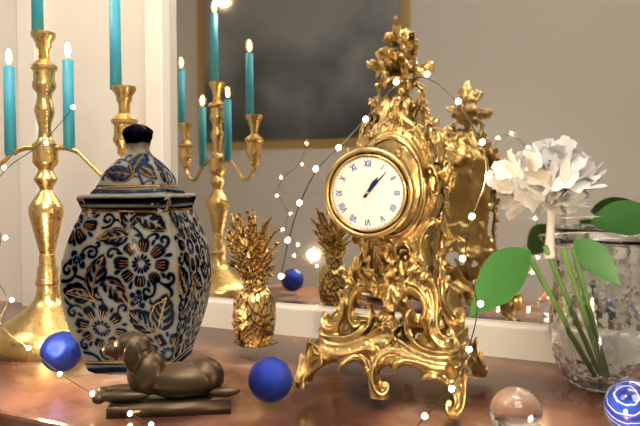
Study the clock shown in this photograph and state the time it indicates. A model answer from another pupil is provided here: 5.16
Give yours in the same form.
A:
1.07
